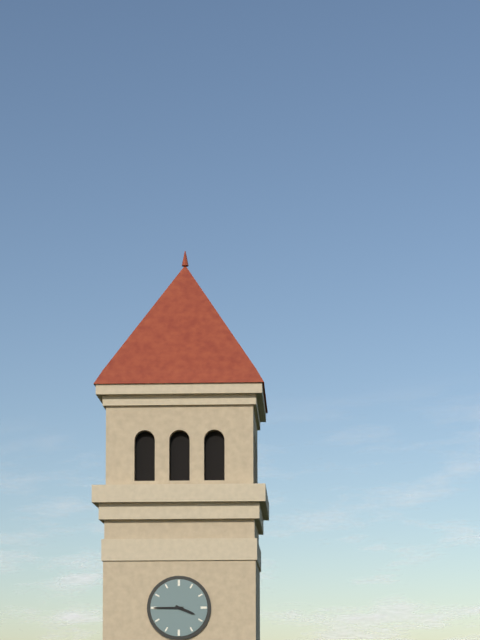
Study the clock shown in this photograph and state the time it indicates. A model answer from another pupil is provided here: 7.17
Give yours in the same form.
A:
3.45
